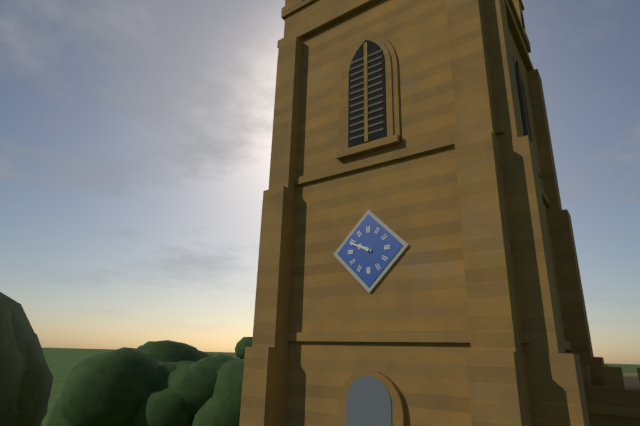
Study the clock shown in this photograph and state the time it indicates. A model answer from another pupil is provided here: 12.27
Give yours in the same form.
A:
9.49
